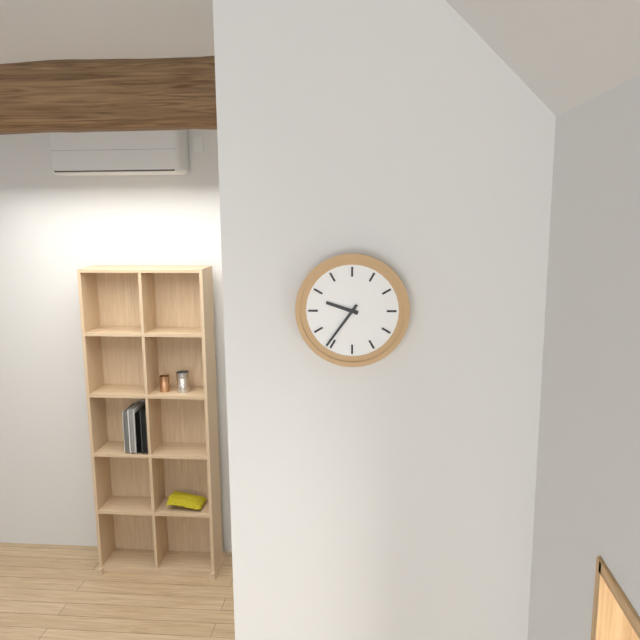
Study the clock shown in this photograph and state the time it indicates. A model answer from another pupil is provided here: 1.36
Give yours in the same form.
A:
9.36
